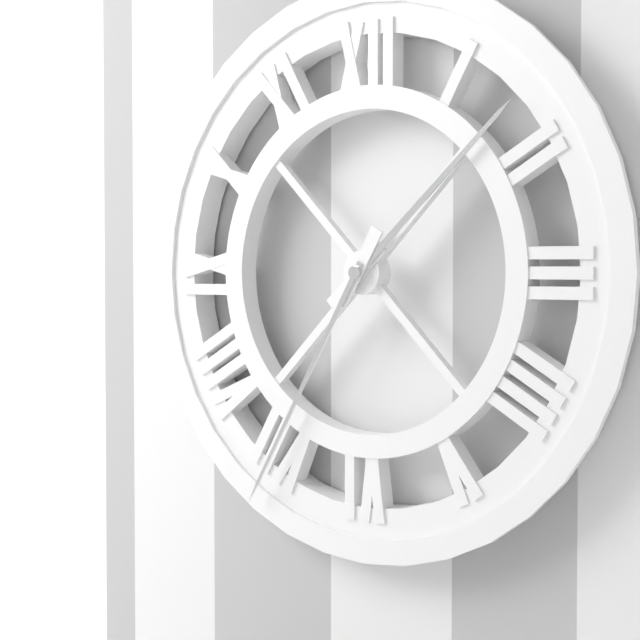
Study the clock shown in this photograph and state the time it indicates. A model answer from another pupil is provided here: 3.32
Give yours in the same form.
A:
1.35
